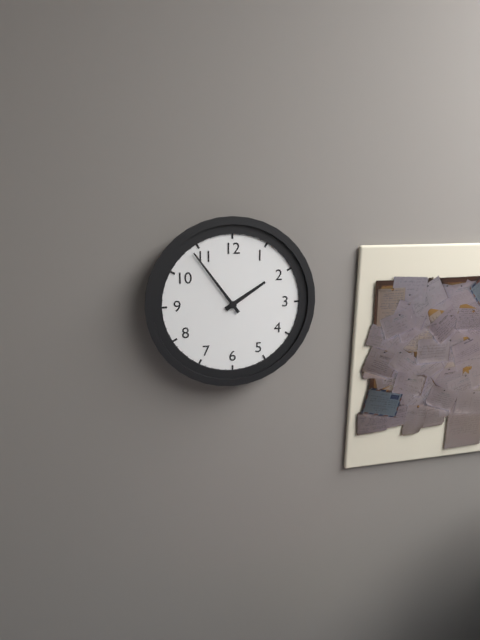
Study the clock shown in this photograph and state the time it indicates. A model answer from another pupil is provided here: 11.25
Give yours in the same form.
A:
1.54
